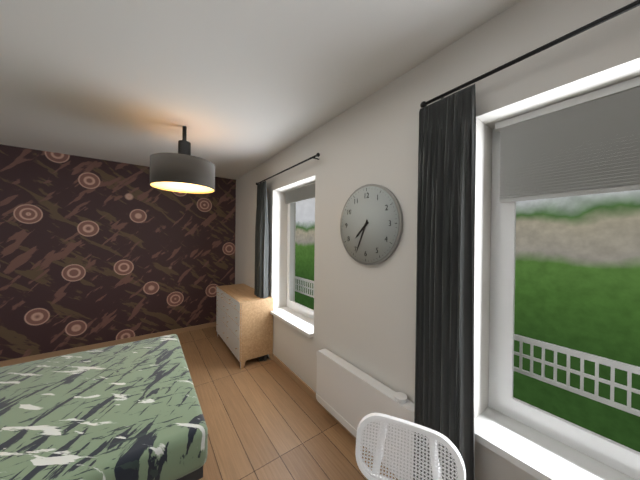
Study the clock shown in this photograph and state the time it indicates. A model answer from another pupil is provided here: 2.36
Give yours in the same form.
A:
7.34
